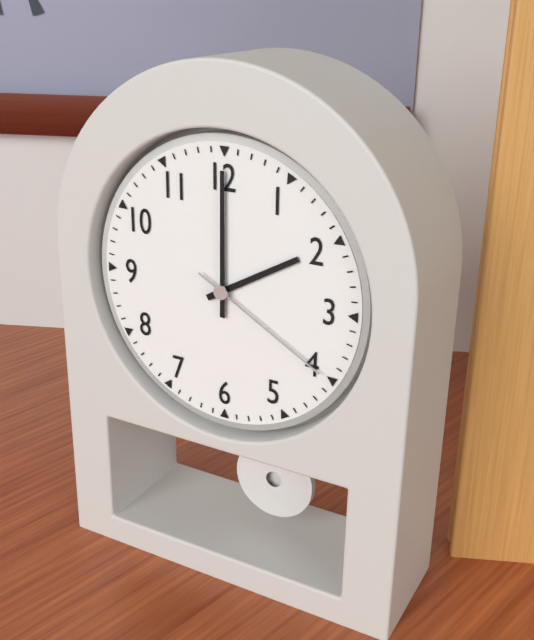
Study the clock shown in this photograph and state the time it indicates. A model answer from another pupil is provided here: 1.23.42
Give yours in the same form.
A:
2.00.20
